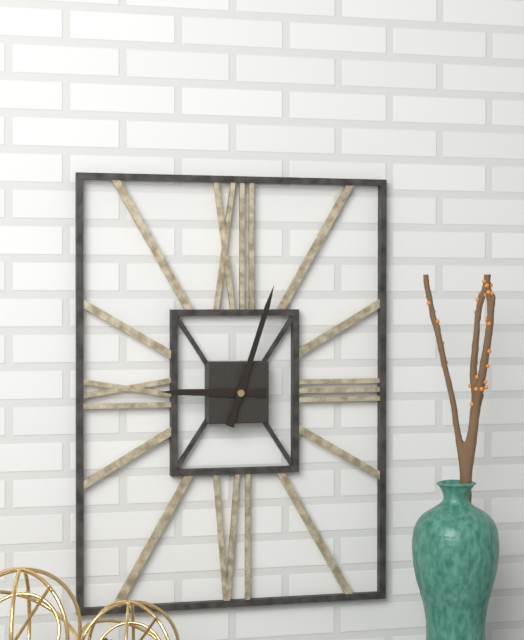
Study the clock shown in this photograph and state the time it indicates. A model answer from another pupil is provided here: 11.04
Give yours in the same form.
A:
9.03
